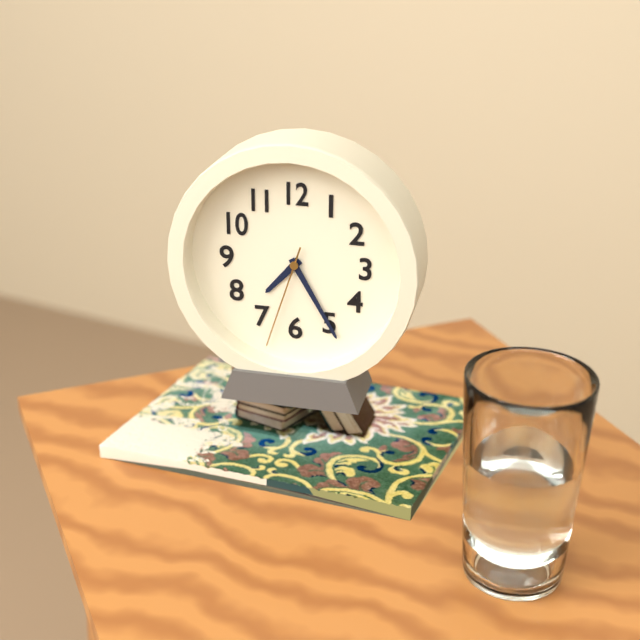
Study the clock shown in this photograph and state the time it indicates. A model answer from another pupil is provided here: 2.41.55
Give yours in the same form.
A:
7.25.33
